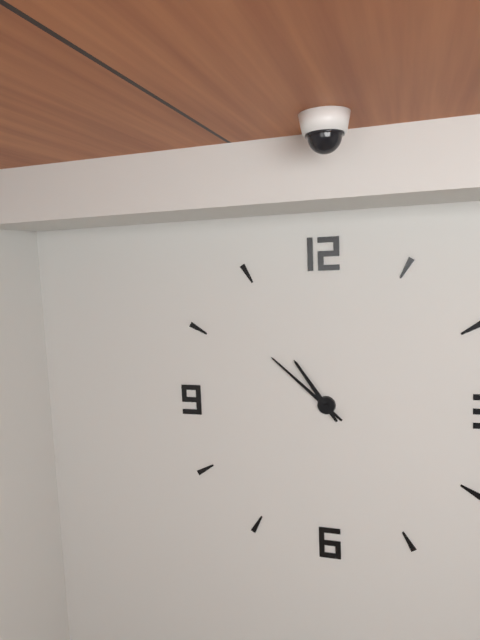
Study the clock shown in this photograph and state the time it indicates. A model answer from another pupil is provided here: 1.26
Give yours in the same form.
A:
10.52
